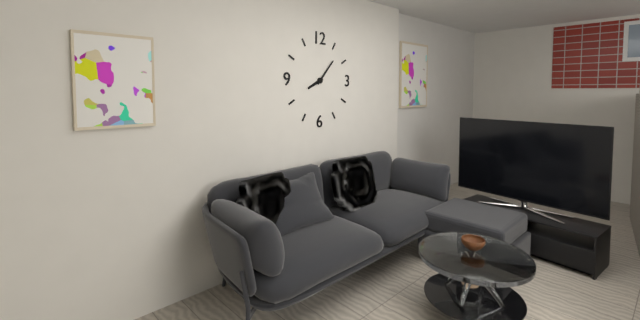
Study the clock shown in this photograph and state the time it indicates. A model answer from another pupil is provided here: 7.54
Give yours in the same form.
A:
8.07
